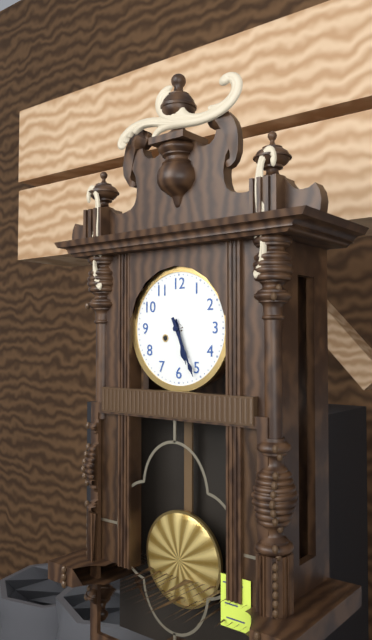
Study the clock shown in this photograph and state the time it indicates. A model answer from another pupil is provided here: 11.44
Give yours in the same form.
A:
5.26
